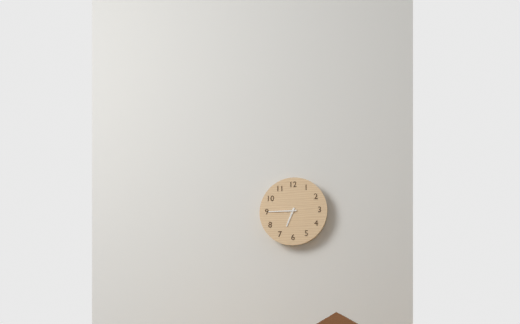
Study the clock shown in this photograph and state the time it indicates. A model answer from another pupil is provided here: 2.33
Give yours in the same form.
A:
6.45
